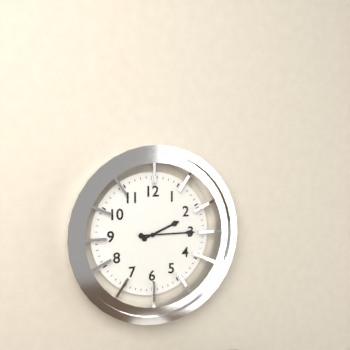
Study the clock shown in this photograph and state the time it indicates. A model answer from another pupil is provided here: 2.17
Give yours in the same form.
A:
2.15
